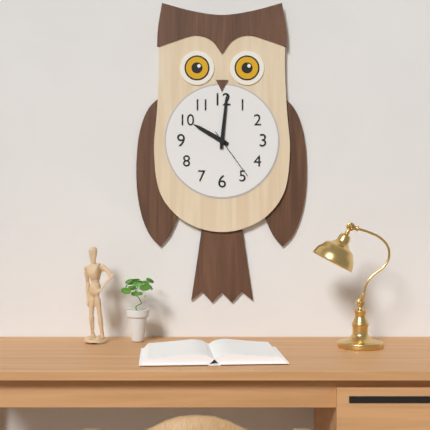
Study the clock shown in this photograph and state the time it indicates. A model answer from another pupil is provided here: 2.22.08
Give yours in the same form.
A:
10.01.24
